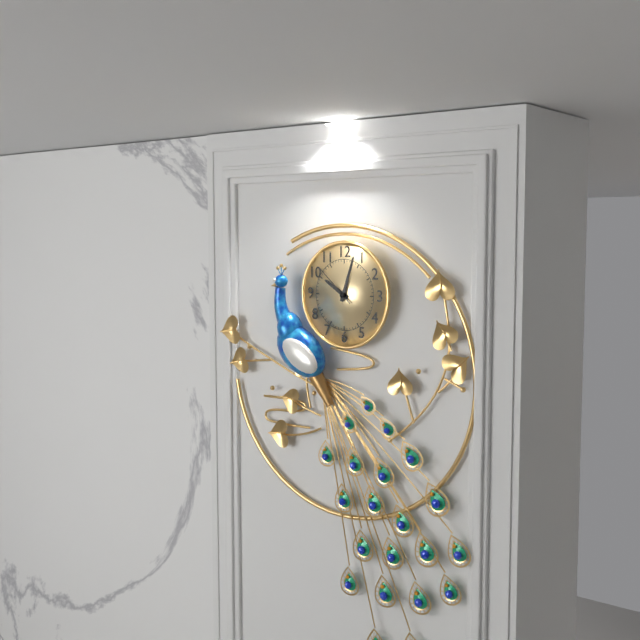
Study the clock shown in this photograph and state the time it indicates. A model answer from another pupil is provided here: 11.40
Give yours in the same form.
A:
10.03
